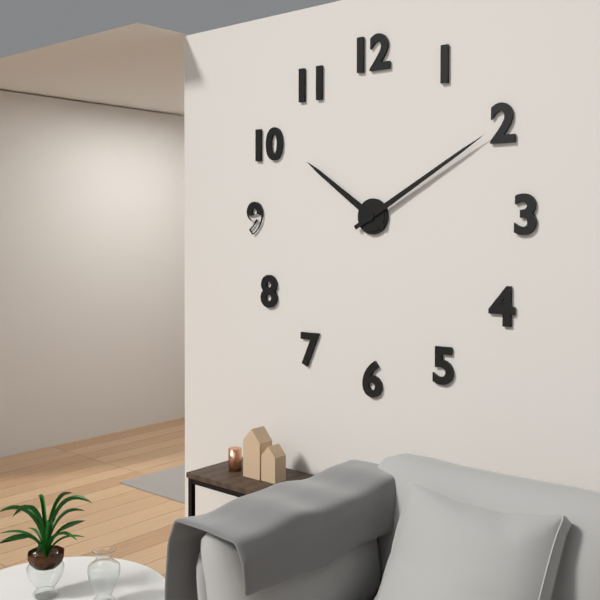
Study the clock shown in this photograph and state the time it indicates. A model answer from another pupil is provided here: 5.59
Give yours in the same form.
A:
10.10
